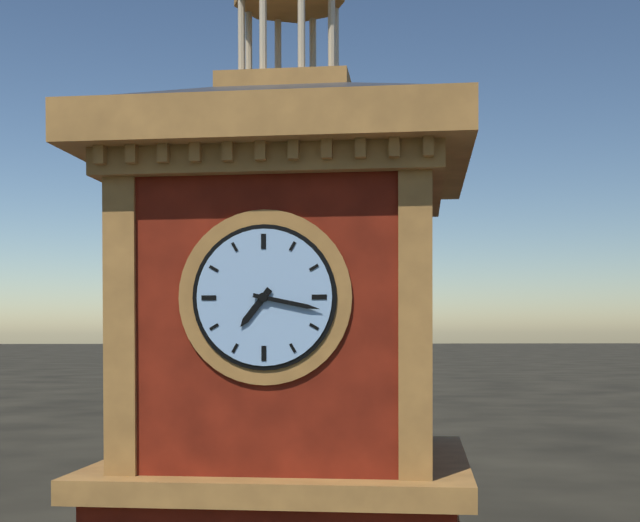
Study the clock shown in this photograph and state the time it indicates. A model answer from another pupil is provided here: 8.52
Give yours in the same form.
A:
7.17
